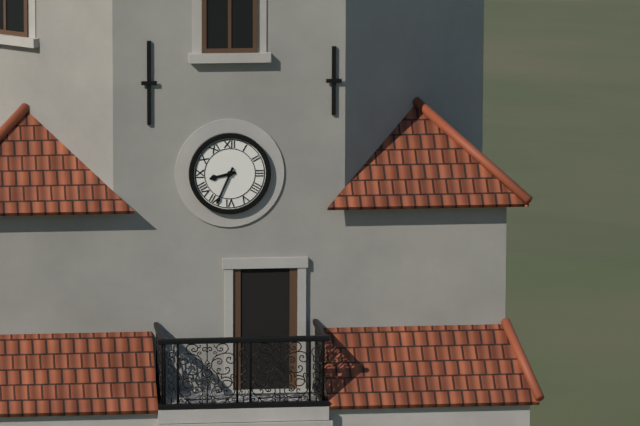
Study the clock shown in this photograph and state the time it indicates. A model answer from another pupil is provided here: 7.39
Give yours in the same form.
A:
8.34
